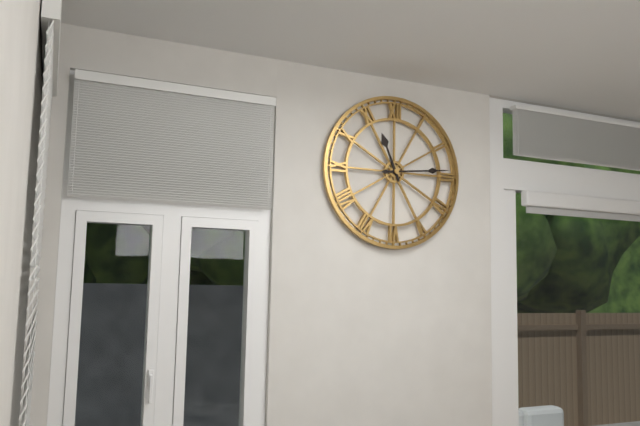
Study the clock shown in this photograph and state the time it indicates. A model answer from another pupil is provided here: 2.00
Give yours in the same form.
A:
11.14
